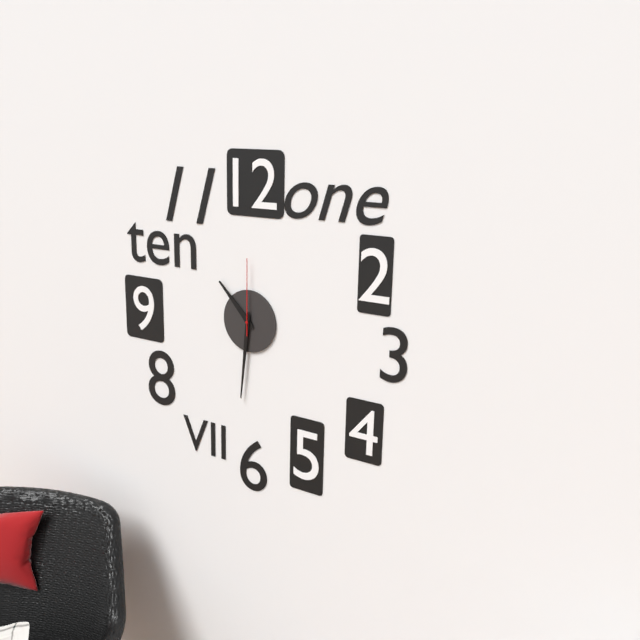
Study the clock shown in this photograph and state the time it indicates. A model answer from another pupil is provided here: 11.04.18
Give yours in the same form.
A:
10.31.00
